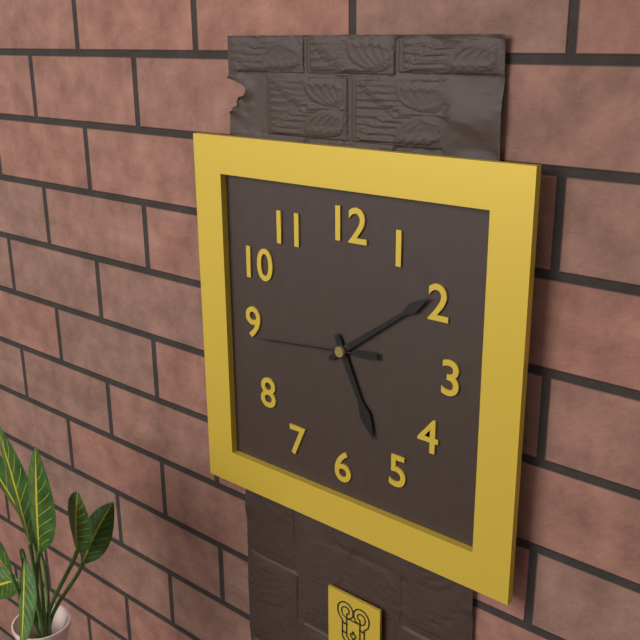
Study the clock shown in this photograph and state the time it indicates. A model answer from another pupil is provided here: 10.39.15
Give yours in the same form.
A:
5.09.44
